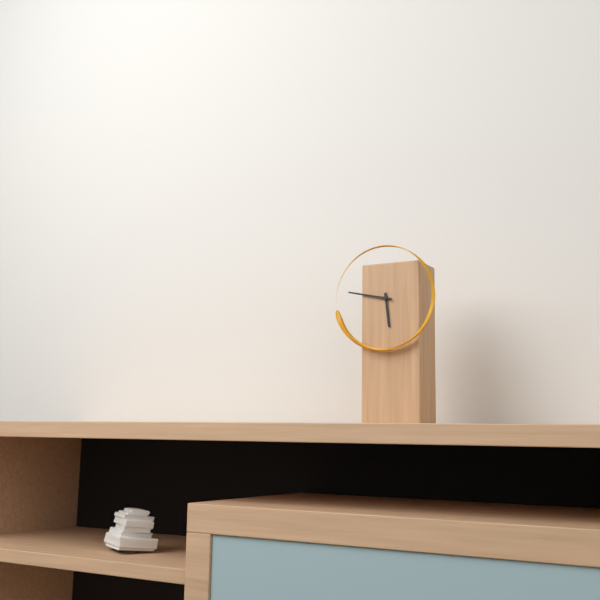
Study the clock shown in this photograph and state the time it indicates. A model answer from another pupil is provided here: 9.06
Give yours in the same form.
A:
5.47
